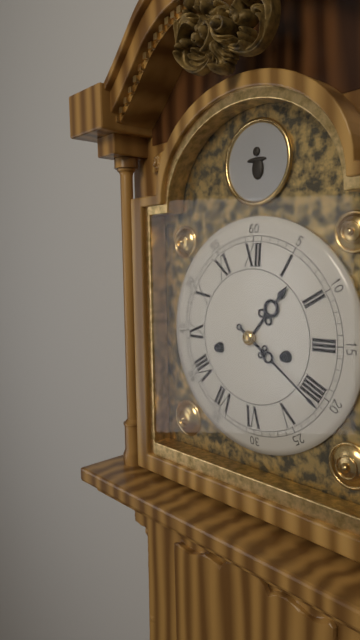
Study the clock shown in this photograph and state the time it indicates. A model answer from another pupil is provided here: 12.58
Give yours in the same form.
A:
1.21
